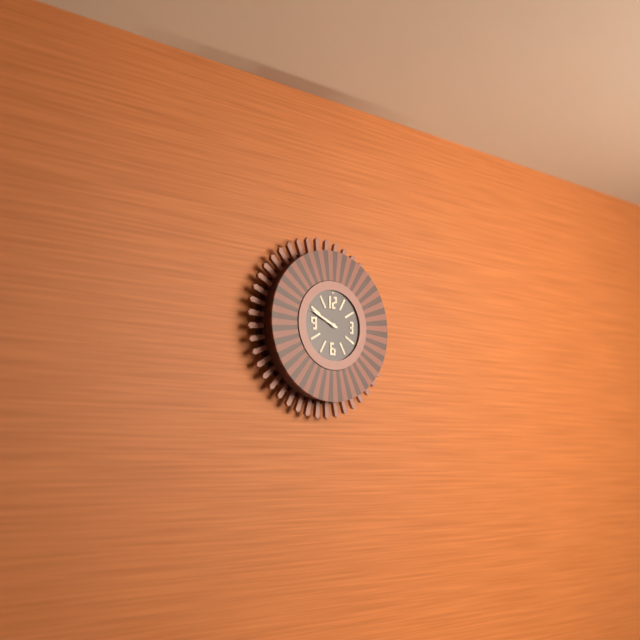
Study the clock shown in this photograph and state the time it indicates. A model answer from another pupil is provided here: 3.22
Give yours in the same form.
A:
9.49
